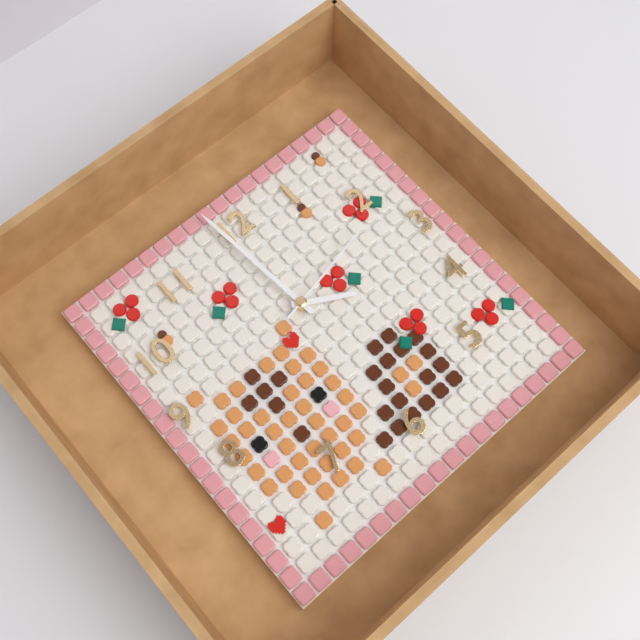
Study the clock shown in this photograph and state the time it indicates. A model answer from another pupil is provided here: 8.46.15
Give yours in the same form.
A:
3.59.13
